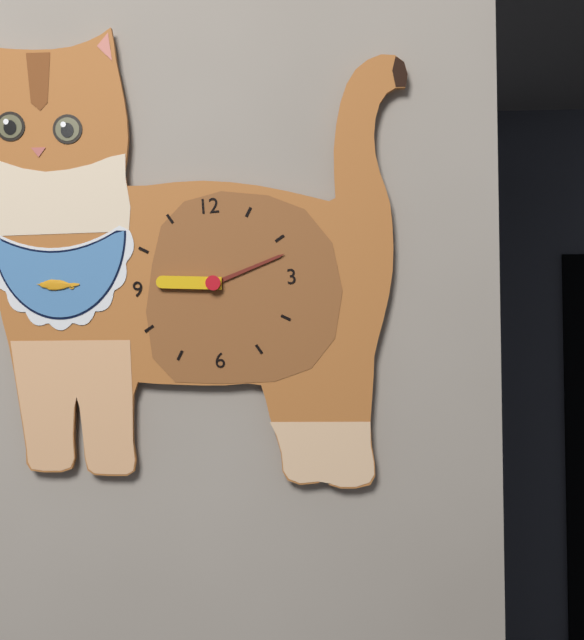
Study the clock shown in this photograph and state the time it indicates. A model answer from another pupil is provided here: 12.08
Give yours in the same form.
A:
9.12
